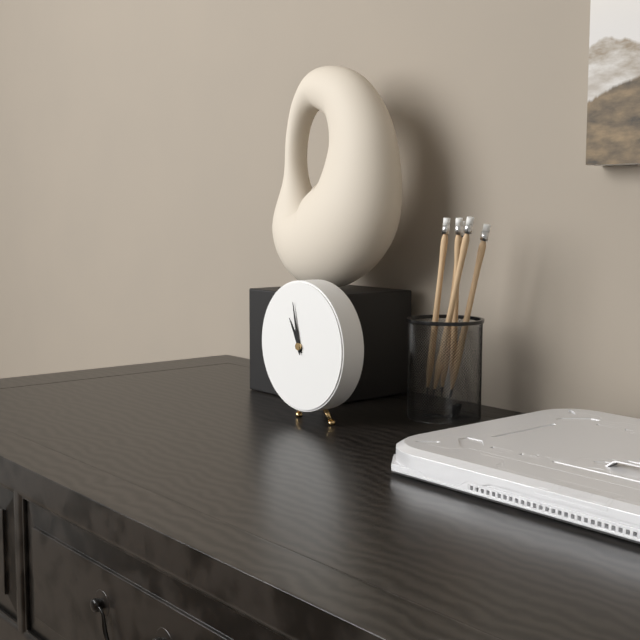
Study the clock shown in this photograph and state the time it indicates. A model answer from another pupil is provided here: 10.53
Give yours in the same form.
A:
10.58
